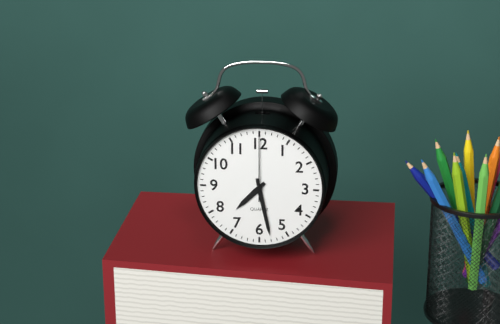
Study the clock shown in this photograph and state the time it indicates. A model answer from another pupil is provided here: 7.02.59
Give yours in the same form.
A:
7.28.00
